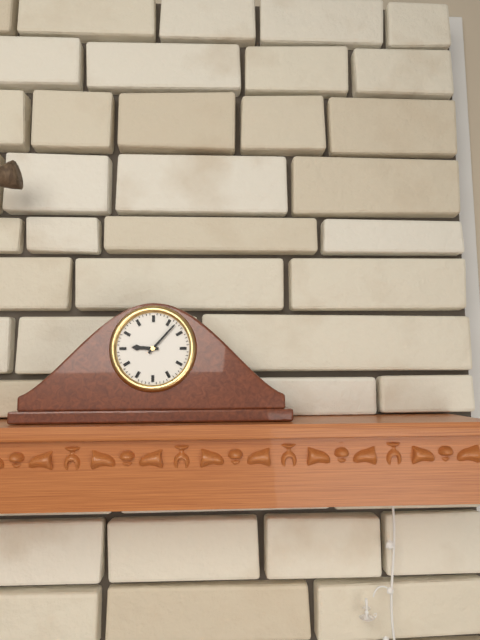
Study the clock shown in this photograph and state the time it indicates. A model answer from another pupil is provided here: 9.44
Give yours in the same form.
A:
9.07
